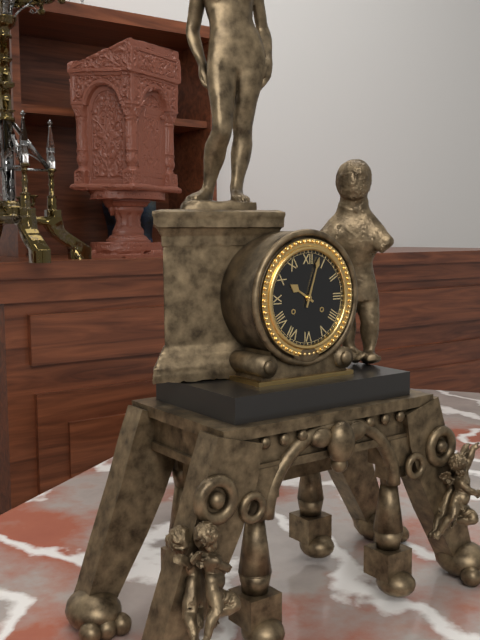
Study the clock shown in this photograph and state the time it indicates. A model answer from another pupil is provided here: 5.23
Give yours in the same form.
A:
10.03
